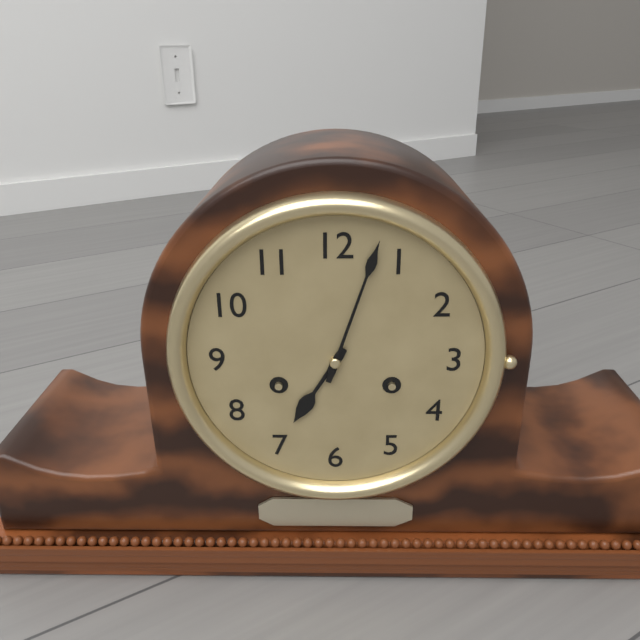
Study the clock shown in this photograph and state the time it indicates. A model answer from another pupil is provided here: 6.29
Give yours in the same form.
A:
7.03
